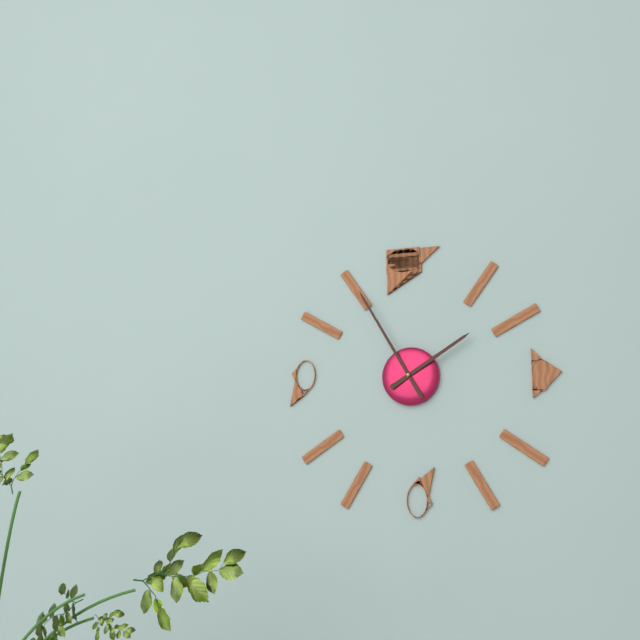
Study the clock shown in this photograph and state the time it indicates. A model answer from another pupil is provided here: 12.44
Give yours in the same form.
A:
1.55
